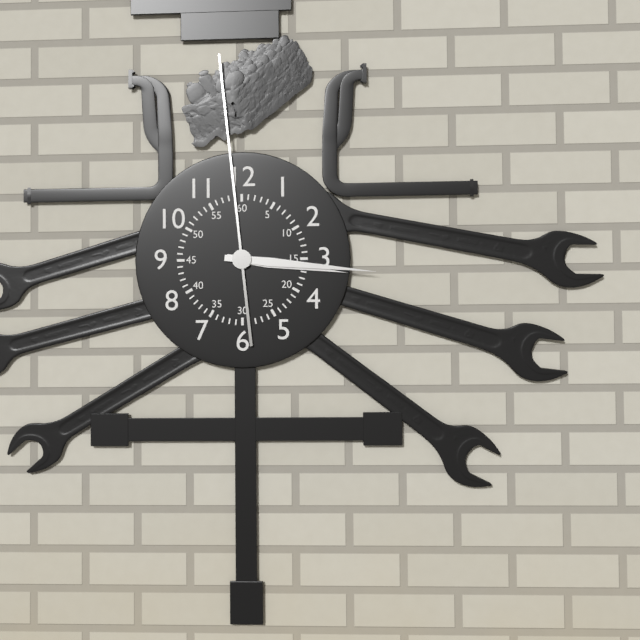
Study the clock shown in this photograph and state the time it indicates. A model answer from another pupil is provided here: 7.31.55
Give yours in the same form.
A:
3.16.59
